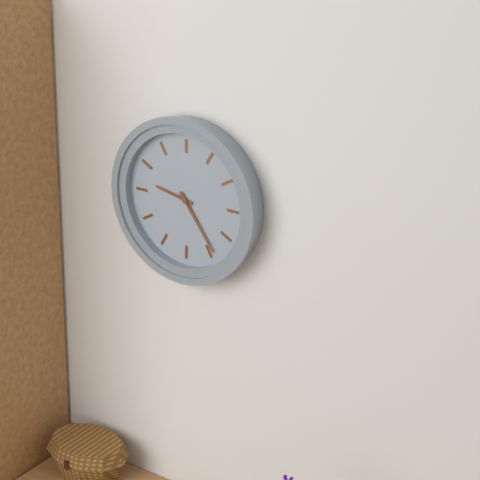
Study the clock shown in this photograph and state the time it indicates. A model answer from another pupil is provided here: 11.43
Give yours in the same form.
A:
9.24
